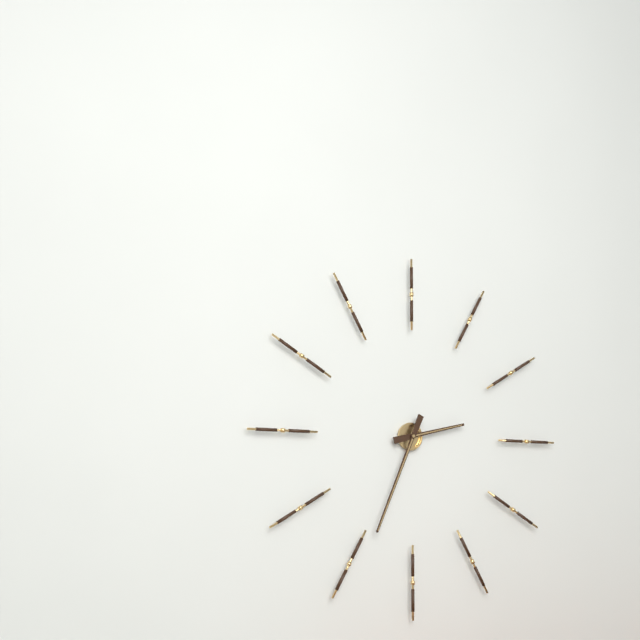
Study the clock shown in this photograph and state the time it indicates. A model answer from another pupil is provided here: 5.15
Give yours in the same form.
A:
2.34
